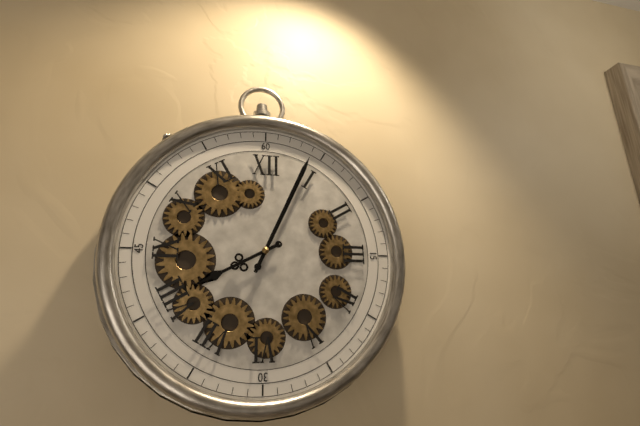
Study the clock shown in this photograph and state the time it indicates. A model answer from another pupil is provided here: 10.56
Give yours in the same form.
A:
8.04
